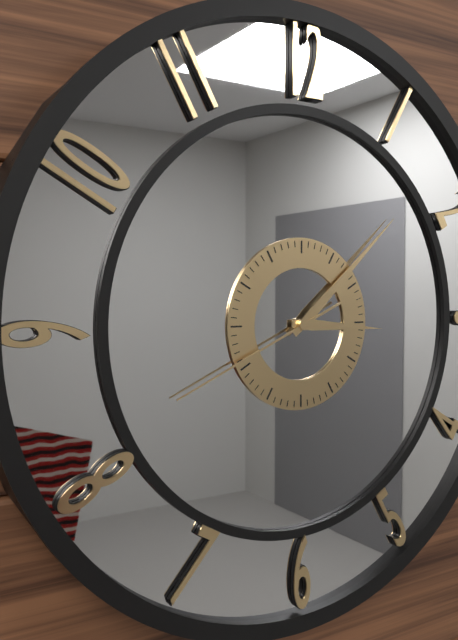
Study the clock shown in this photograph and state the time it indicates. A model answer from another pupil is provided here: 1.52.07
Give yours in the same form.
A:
3.08.41
